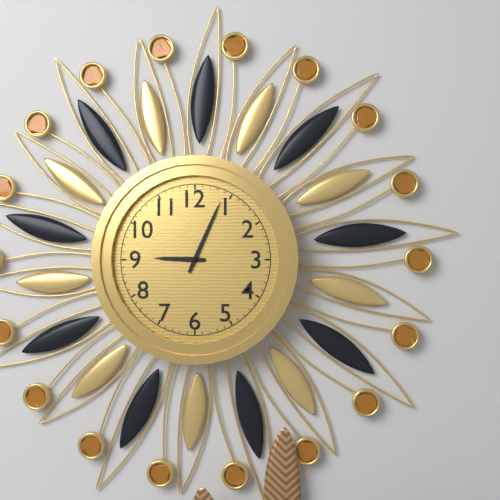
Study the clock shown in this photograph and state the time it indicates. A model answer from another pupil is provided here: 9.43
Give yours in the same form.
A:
9.04
